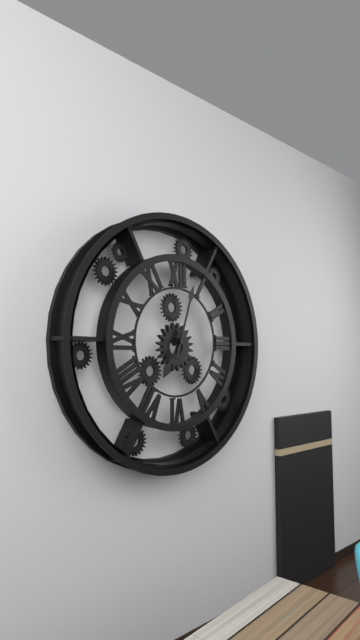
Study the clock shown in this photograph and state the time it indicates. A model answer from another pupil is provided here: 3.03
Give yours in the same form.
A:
7.03
